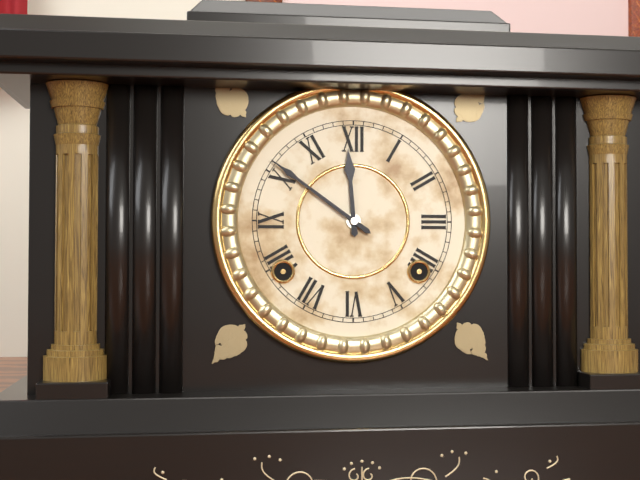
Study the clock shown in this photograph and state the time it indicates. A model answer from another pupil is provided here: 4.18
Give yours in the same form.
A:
11.51
